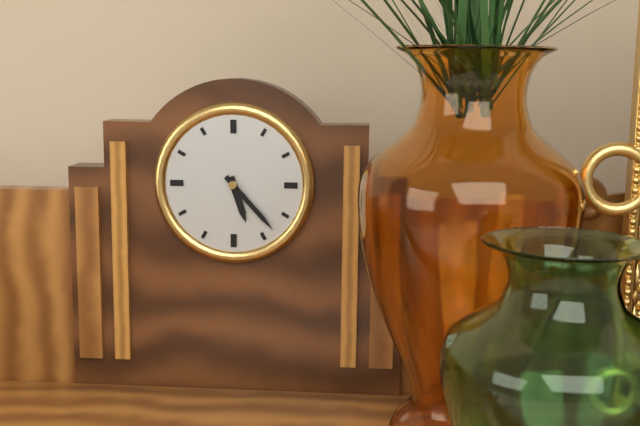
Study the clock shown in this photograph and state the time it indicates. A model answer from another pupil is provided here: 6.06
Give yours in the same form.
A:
5.23
